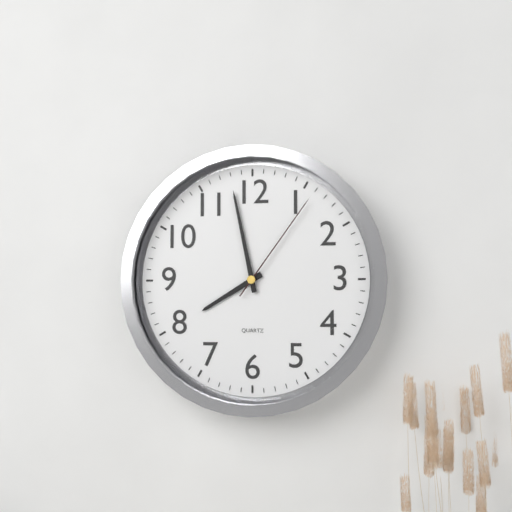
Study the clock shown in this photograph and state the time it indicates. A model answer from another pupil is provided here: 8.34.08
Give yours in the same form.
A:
7.58.06
